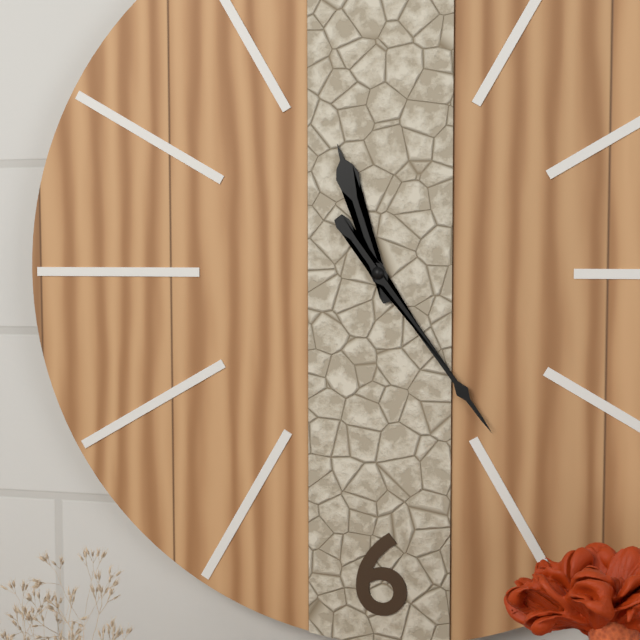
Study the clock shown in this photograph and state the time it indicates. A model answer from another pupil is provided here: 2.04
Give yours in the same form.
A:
11.24
